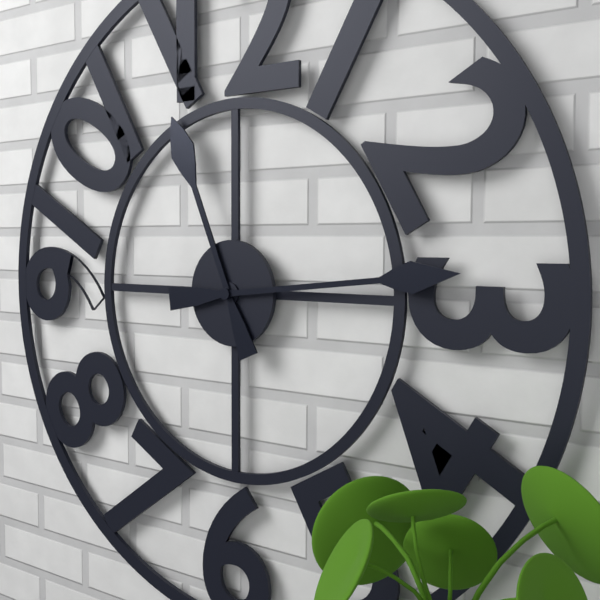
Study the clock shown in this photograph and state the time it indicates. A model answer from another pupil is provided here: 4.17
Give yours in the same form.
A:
11.14
